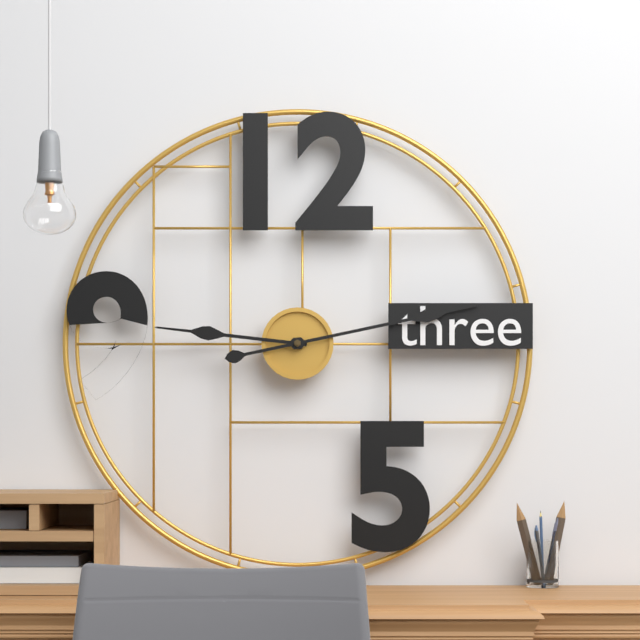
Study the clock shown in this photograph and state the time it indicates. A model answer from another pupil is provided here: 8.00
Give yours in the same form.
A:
9.13
